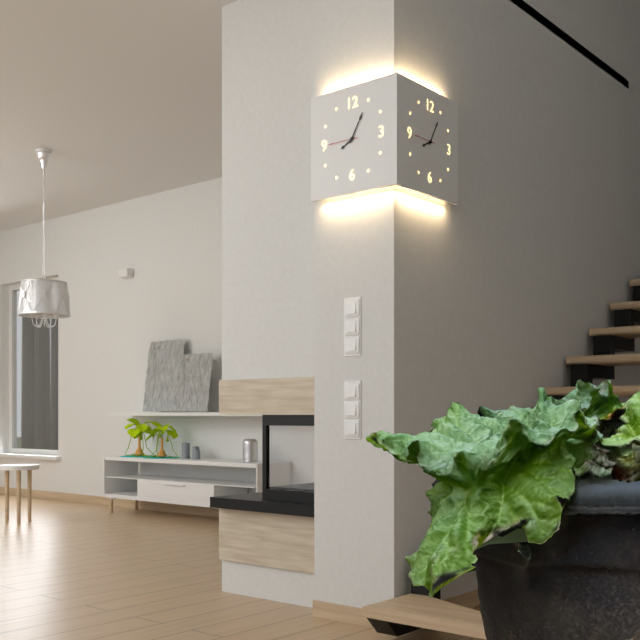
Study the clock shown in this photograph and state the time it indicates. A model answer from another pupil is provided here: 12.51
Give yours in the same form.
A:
8.05
